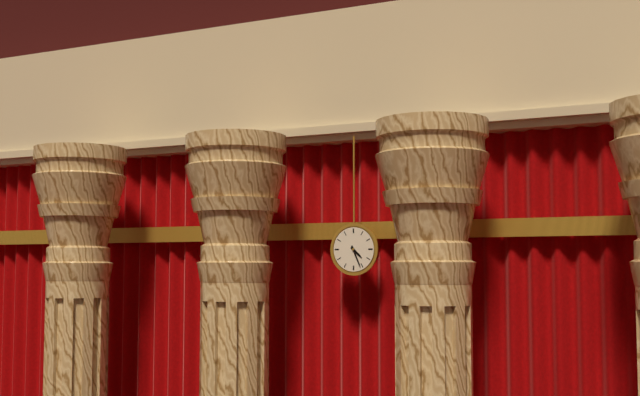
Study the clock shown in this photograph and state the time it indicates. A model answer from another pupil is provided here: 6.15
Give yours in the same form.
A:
4.26
